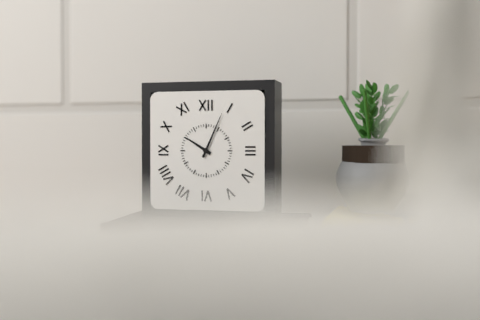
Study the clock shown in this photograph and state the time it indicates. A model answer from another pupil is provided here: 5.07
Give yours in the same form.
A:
10.04
